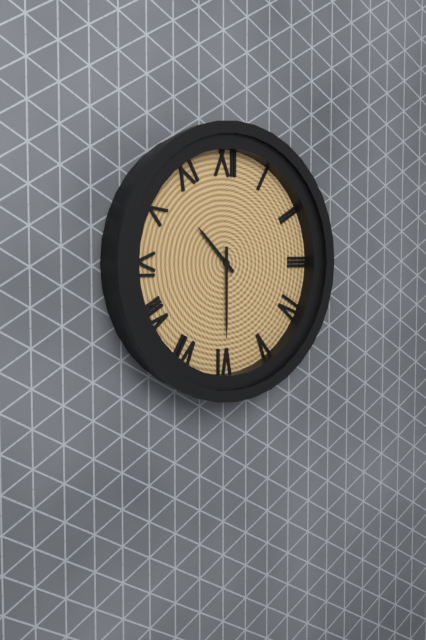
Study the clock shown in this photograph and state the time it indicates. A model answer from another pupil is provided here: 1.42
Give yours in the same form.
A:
10.30
